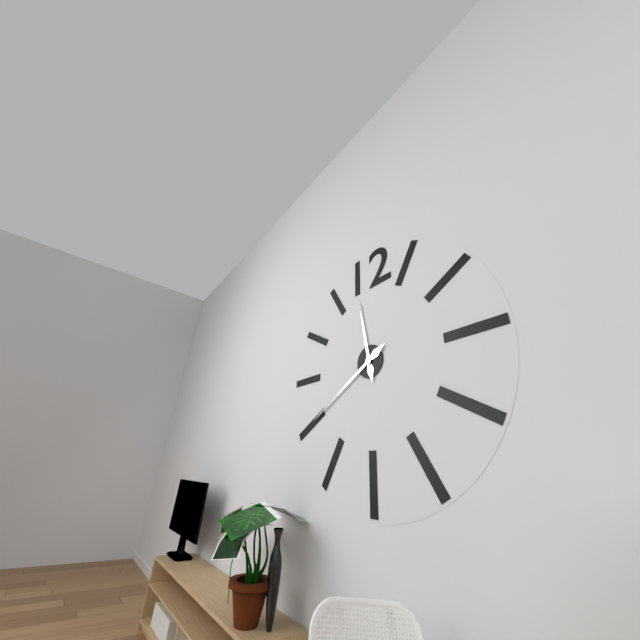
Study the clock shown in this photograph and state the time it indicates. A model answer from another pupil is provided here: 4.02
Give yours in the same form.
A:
11.40
